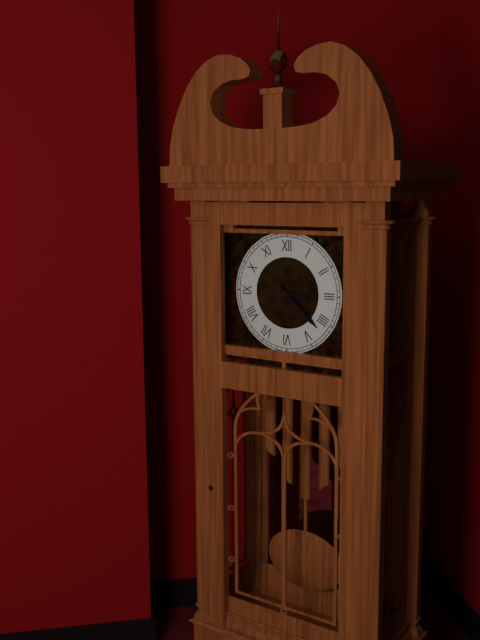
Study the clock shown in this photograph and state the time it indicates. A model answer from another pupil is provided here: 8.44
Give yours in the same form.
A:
3.22
